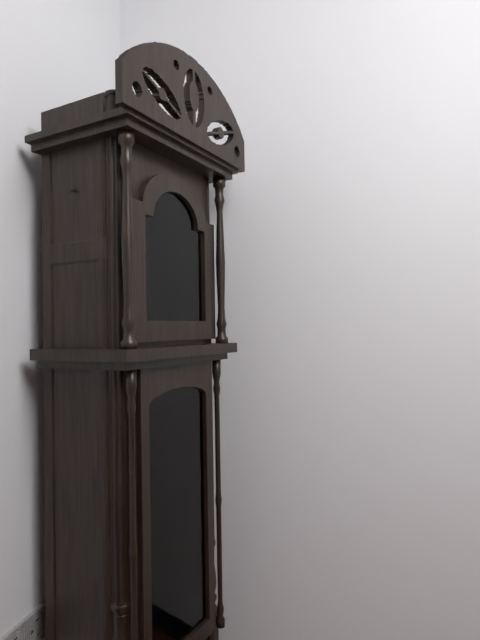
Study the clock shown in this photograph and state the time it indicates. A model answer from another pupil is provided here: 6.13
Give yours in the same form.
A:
3.01
